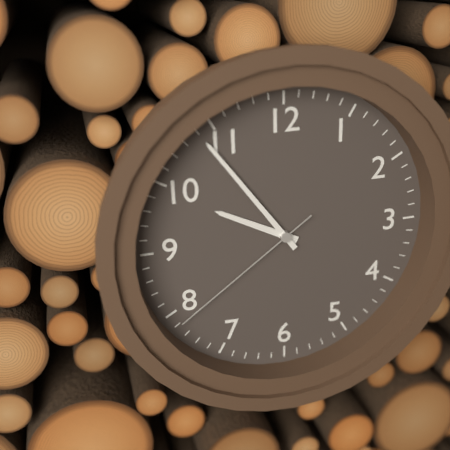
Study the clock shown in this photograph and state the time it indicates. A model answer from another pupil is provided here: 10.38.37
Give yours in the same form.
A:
9.54.39
